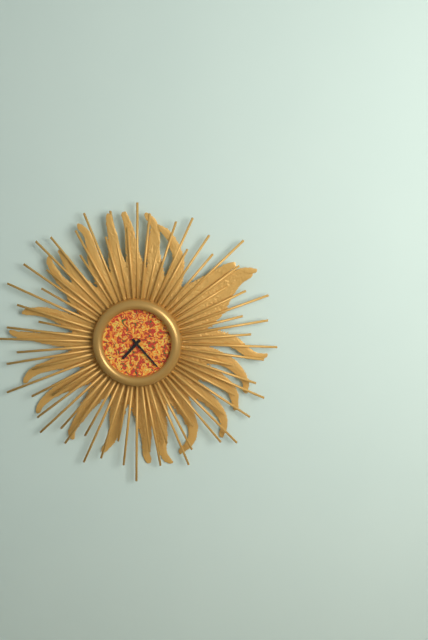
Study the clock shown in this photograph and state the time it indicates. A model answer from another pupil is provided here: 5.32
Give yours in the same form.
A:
7.23
